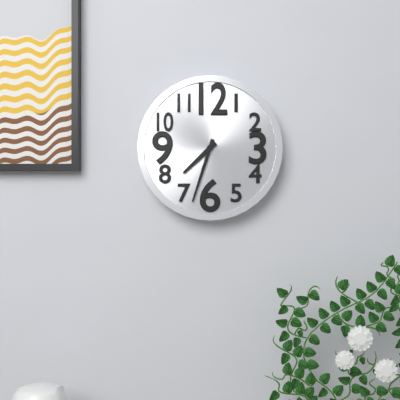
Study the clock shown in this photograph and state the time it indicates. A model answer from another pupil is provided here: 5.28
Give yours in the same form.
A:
7.33
